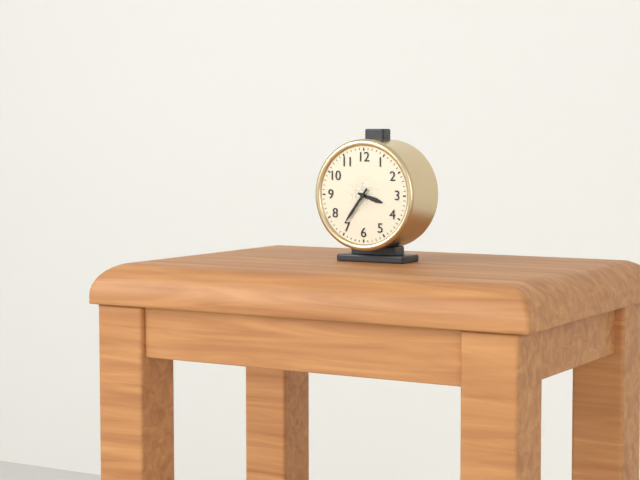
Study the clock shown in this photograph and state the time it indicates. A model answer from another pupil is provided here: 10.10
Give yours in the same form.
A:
3.36
